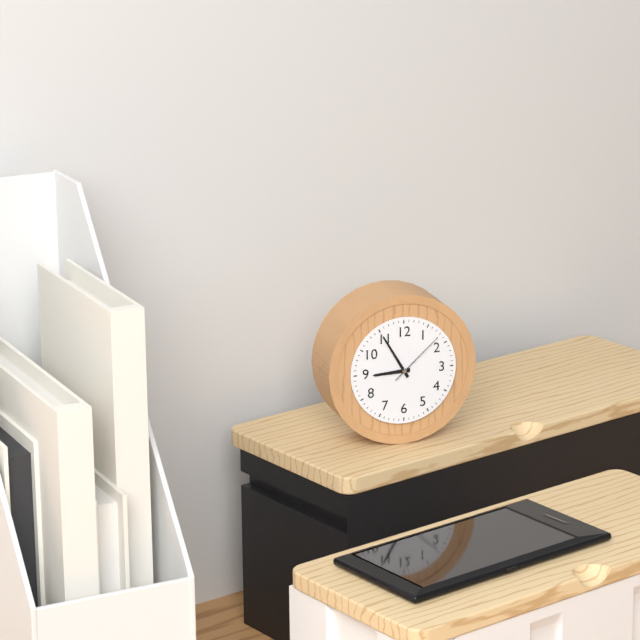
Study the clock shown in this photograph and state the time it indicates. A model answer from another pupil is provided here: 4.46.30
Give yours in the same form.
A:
8.55.08
